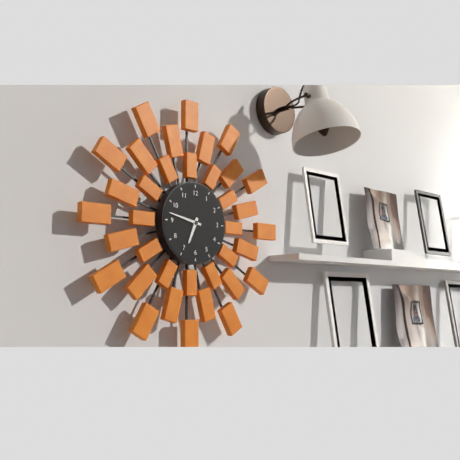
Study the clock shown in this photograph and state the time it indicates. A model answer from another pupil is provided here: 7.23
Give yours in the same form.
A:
6.47
